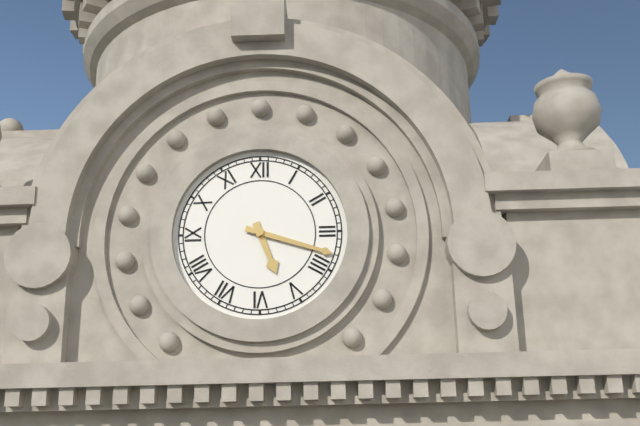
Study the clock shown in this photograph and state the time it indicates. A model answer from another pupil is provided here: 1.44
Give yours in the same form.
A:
5.18
